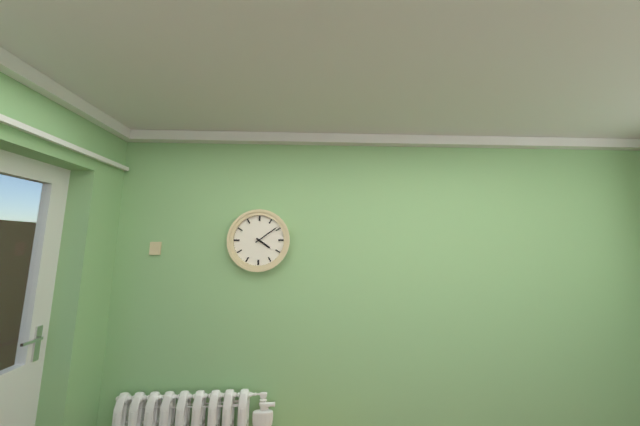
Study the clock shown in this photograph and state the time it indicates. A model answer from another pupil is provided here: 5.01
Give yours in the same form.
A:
4.09
